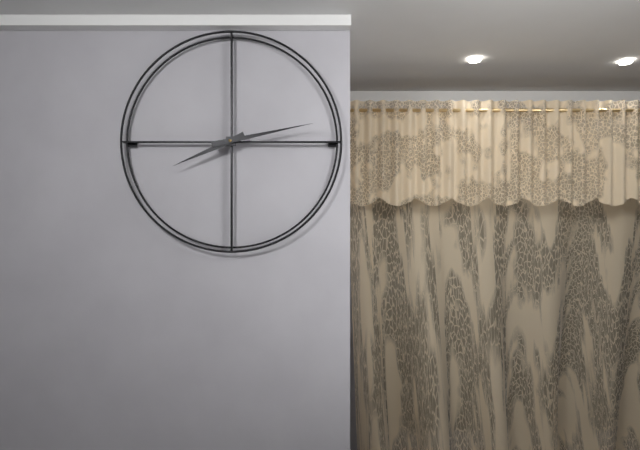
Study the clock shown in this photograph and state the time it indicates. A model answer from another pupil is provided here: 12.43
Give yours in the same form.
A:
8.13
